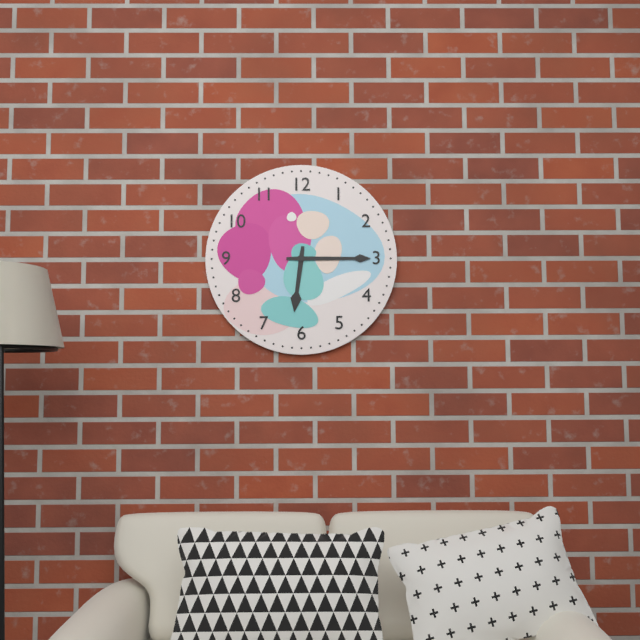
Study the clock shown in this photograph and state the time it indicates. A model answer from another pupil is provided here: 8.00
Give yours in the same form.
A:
6.15
